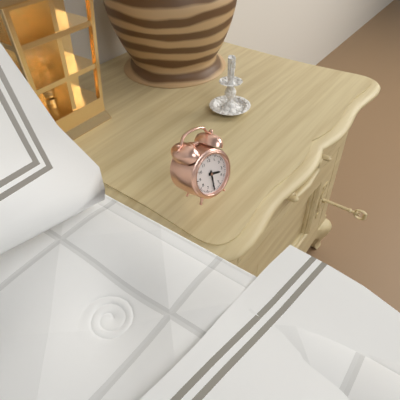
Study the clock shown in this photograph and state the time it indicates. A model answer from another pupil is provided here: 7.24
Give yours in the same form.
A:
3.30
